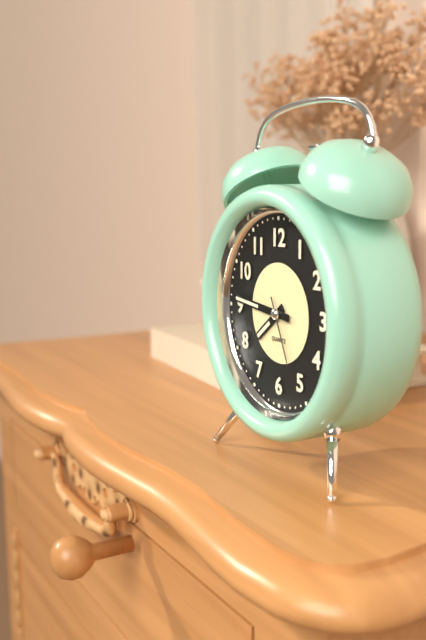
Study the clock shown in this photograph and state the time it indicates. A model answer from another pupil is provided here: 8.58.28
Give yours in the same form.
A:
7.46.26
